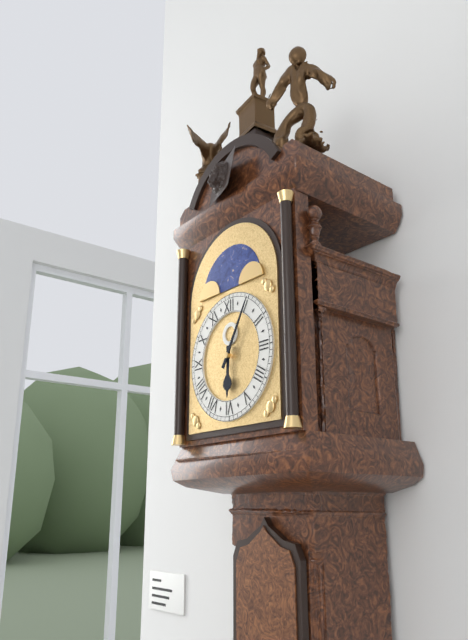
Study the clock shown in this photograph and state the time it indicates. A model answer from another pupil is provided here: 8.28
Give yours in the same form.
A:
6.05
